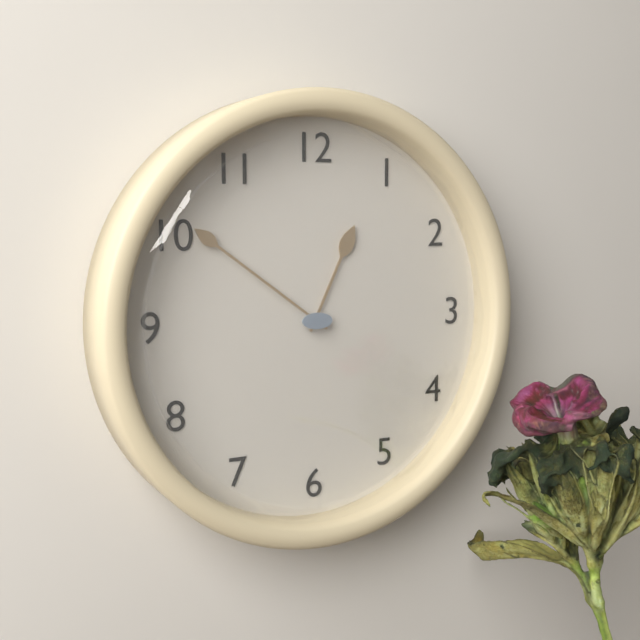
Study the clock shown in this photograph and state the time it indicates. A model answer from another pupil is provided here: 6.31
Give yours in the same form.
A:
12.51
